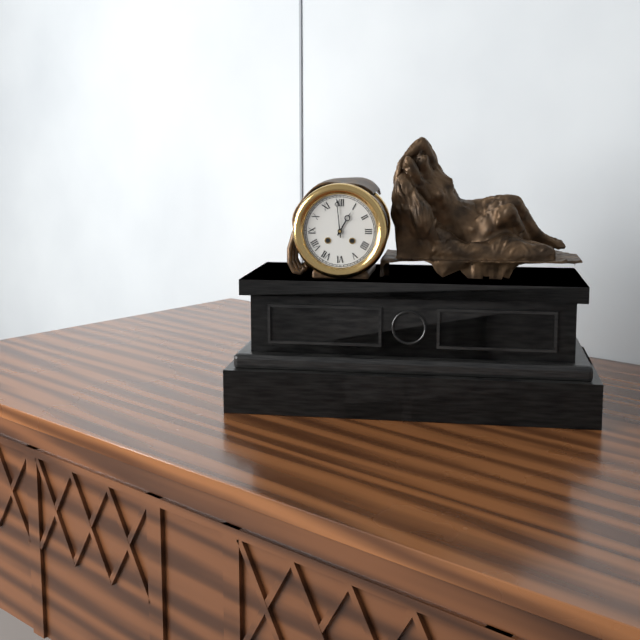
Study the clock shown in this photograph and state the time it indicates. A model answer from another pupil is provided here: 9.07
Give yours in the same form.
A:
12.59
